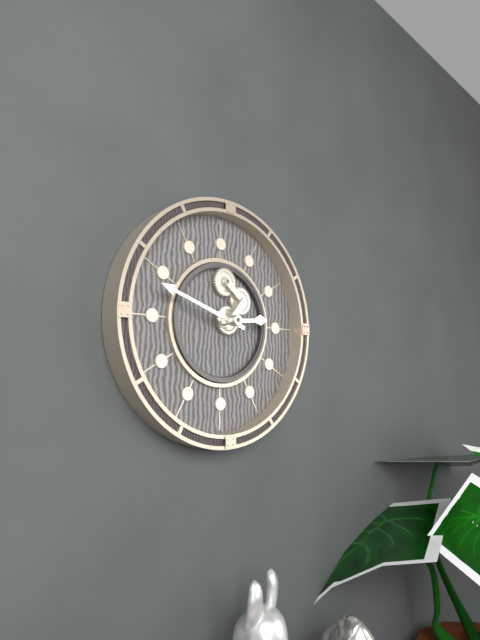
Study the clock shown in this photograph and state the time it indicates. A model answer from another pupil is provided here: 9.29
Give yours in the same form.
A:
2.48
